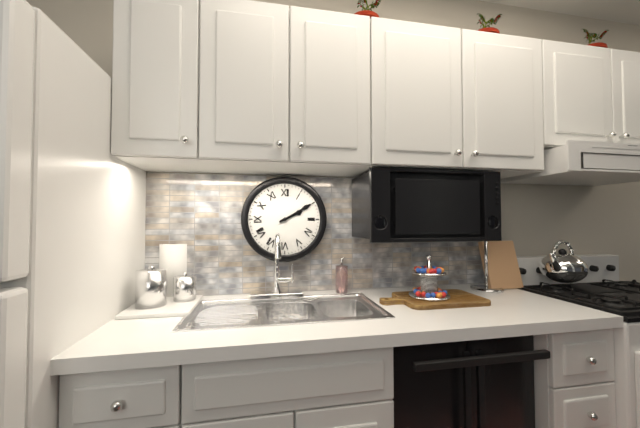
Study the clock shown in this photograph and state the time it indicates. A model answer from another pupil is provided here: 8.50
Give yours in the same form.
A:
2.10
